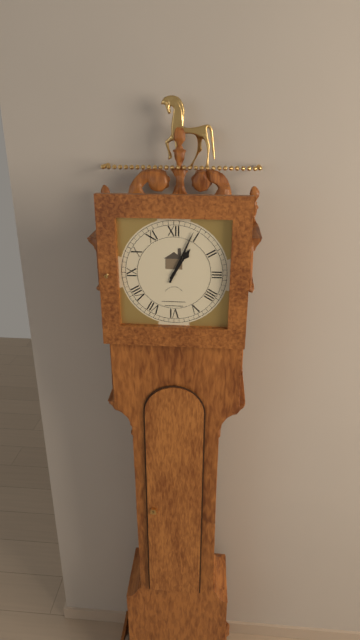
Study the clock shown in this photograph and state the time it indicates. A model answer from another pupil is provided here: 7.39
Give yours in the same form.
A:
1.04
